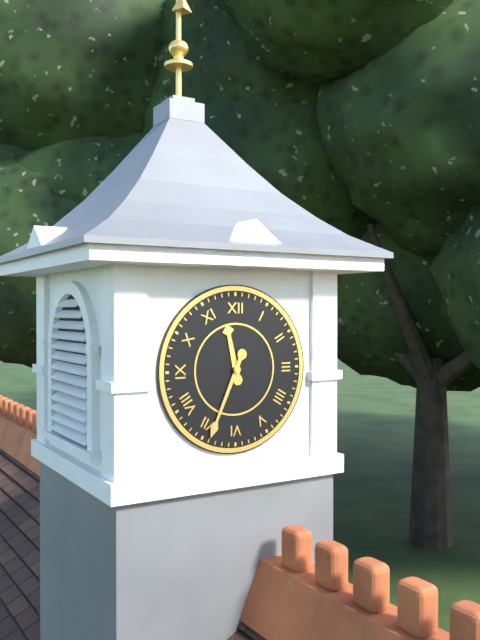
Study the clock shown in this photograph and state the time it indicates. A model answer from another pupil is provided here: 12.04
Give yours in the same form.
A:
11.34
